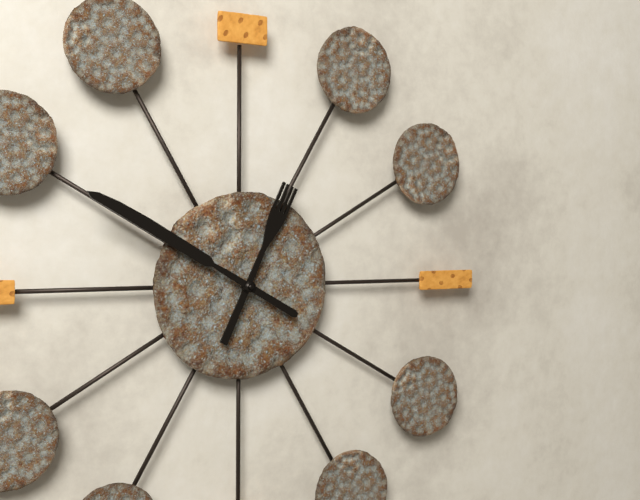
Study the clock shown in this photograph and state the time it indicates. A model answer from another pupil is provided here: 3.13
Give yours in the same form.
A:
12.50
